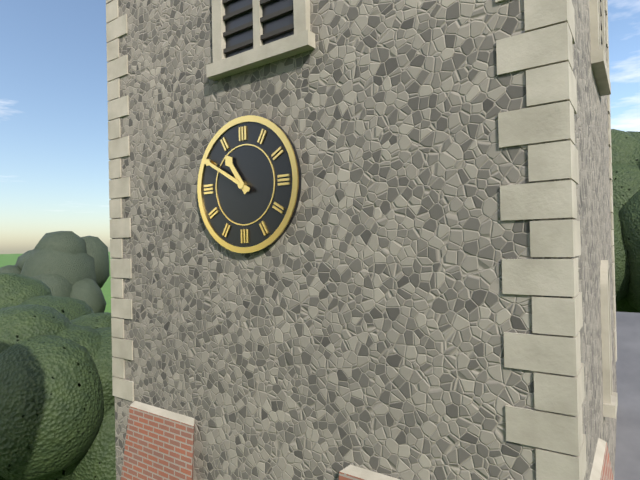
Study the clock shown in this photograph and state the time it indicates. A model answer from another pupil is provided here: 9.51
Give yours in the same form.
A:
10.50
